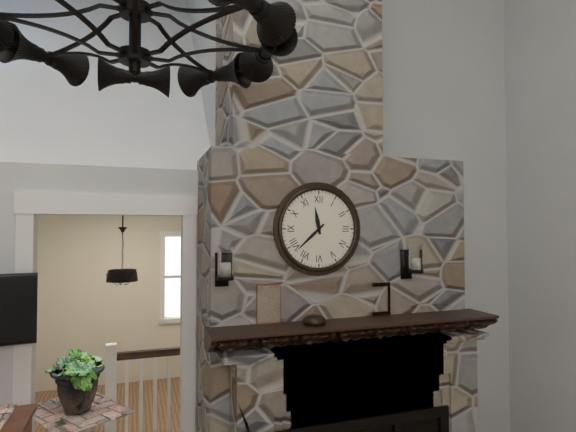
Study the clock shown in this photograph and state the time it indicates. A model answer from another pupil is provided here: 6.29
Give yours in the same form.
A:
11.38
